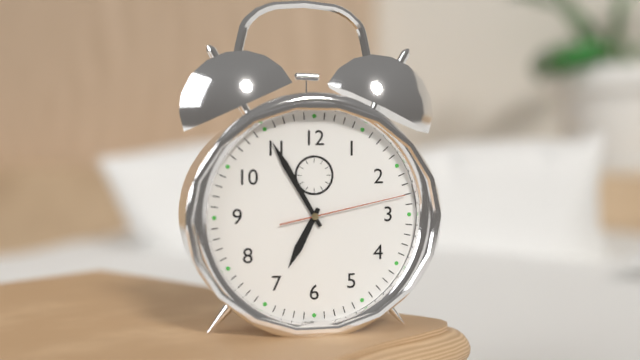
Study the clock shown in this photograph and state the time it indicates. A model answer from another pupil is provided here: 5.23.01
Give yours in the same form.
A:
6.55.13
